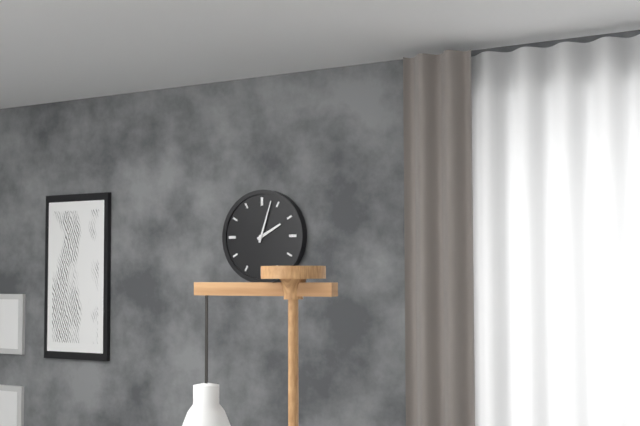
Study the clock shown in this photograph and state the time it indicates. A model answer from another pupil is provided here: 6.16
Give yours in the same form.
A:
2.03
